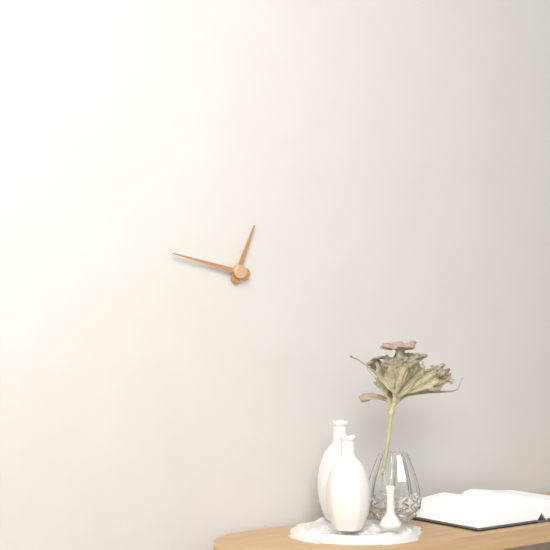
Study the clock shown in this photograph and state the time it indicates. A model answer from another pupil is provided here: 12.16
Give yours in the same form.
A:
12.47
